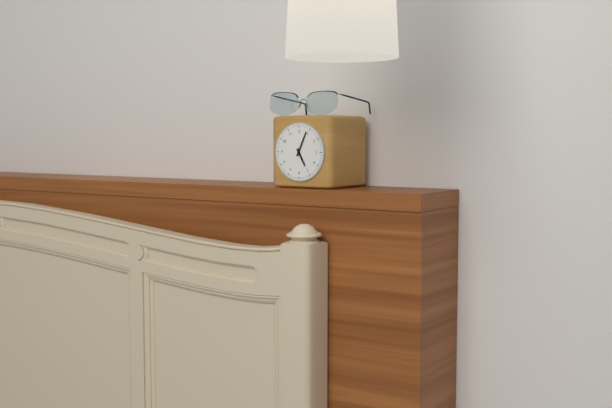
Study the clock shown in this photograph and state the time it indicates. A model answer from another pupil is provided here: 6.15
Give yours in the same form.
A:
5.04
